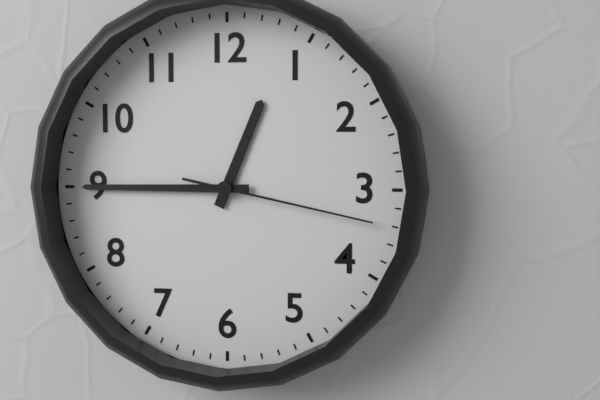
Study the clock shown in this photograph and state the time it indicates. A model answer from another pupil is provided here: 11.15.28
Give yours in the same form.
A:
12.45.17
